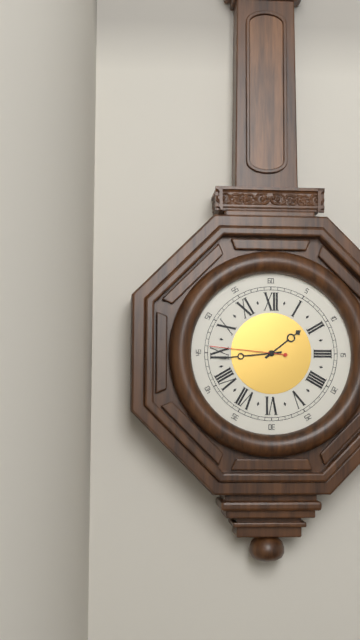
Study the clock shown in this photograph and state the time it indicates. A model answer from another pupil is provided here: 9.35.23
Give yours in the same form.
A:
1.44.46
